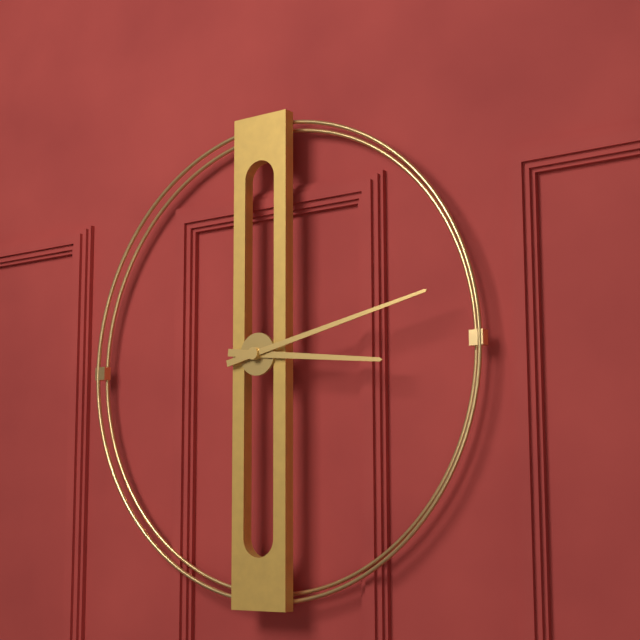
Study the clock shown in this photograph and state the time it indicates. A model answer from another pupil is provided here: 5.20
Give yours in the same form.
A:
3.13
